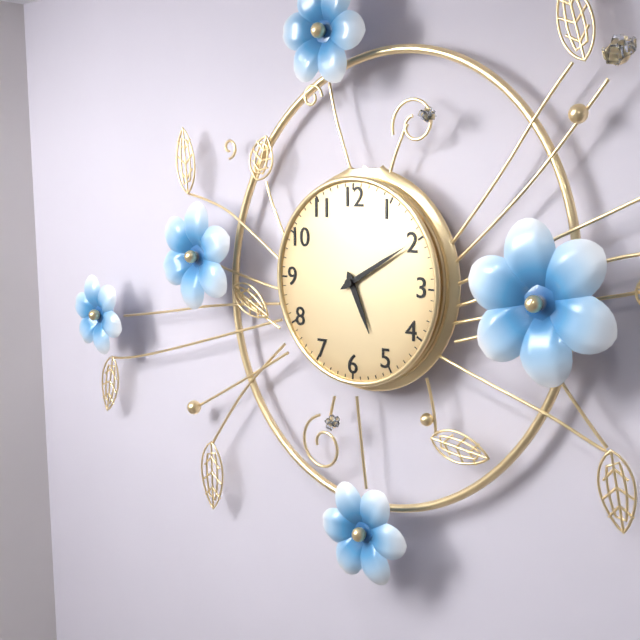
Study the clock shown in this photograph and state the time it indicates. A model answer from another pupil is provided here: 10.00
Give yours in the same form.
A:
5.10
